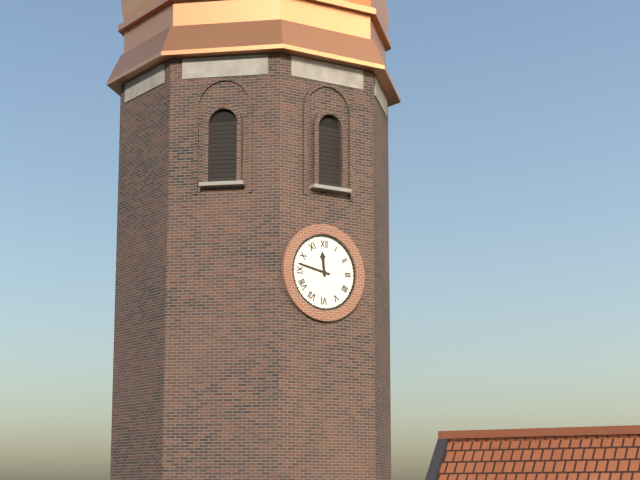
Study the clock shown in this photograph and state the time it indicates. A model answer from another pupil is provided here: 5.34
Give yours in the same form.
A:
11.47
